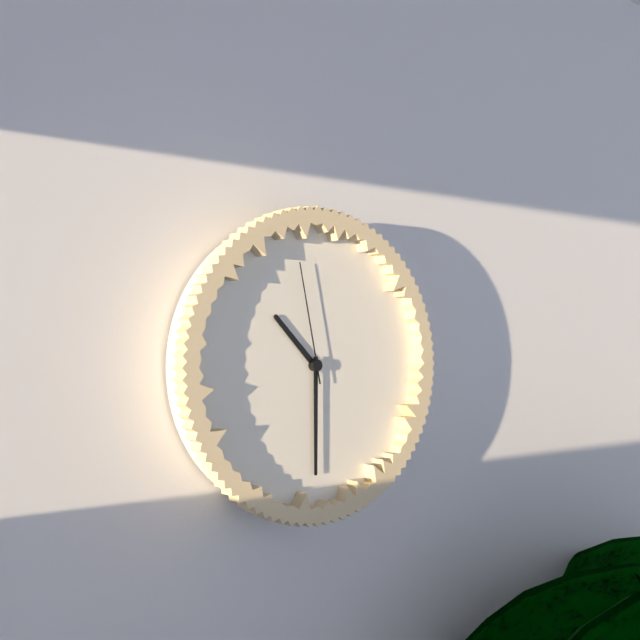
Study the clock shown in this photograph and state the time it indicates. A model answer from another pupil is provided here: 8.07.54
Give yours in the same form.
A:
10.30.58
